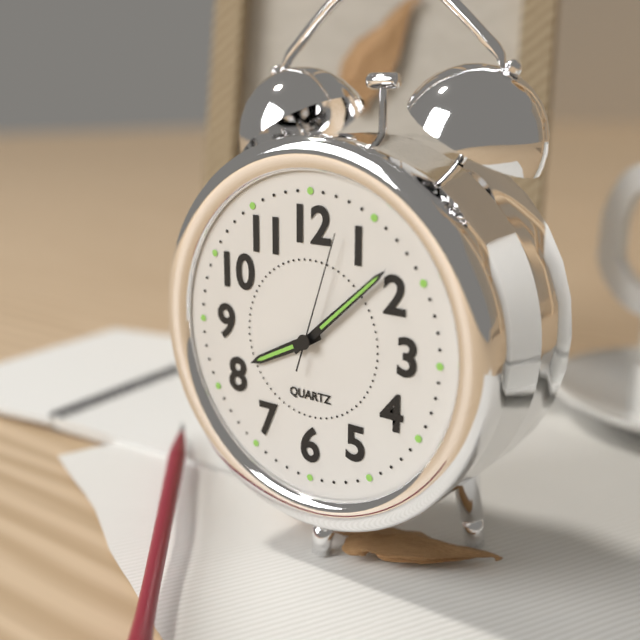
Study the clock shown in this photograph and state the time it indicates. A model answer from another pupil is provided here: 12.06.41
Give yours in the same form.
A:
8.08.03
